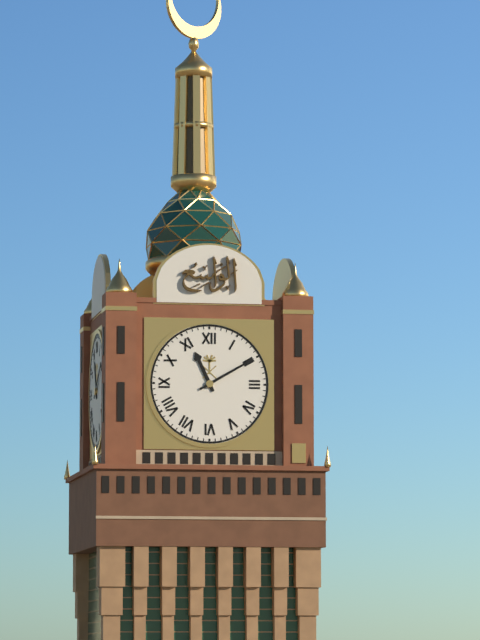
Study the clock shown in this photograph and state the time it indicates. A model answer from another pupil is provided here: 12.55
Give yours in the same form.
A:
11.10
